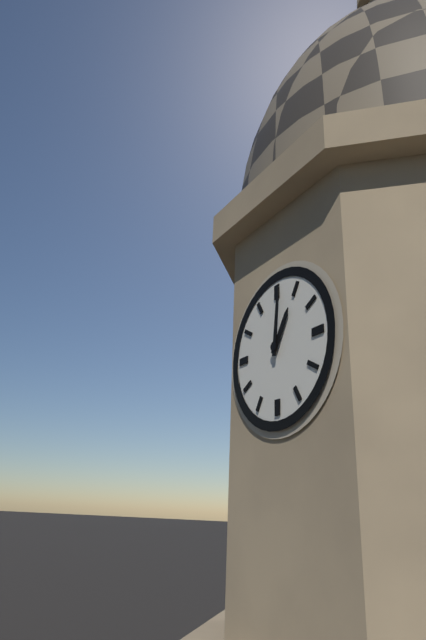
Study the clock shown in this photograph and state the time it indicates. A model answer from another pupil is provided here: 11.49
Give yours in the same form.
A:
1.01
